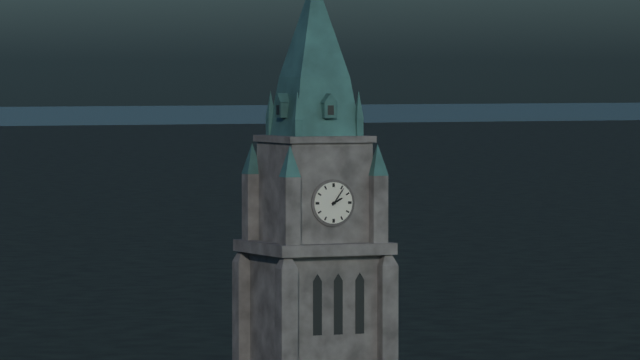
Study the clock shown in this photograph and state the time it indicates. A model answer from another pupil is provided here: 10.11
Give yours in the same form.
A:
2.06
